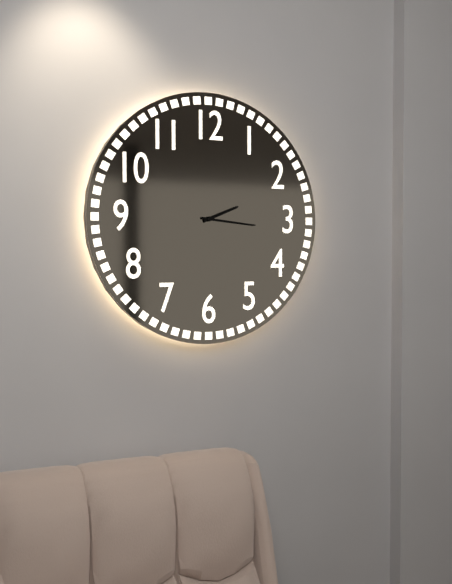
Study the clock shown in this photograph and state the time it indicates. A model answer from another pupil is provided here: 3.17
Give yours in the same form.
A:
2.16
